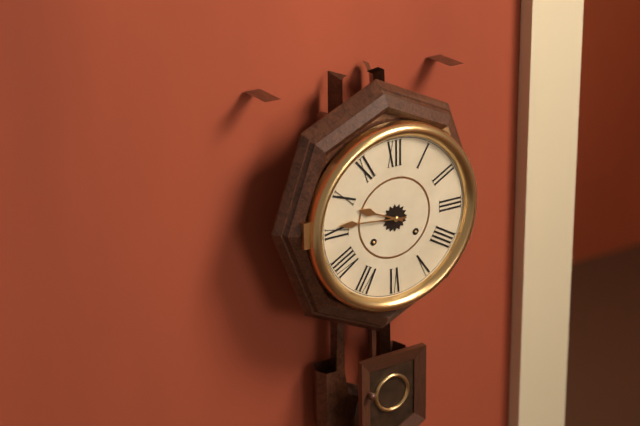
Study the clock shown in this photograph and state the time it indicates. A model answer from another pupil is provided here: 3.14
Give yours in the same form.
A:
9.46
